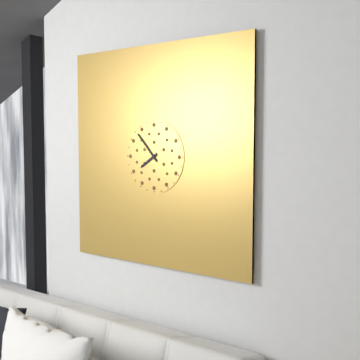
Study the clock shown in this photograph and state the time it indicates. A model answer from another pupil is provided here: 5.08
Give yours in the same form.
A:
7.53
